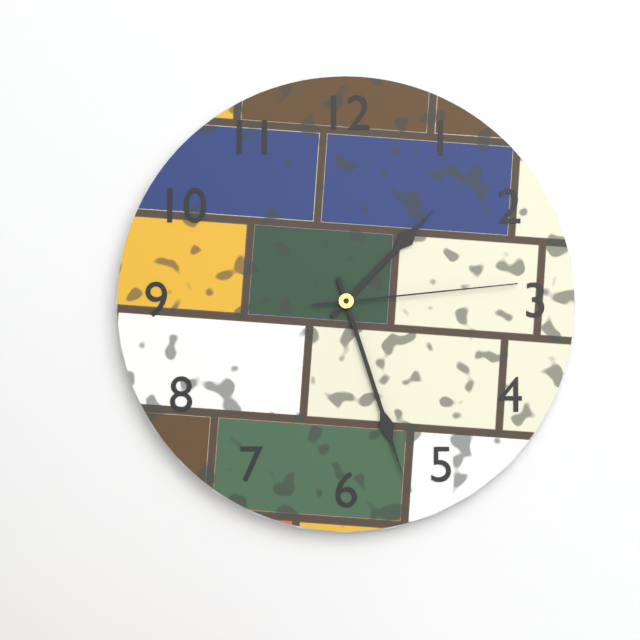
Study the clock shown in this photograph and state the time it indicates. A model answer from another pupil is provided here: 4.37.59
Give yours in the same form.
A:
1.27.14
